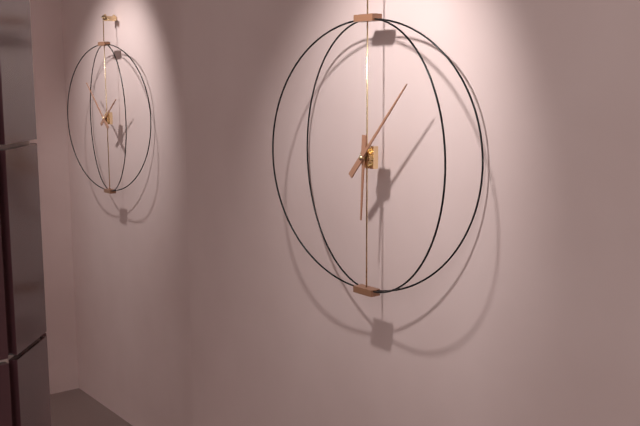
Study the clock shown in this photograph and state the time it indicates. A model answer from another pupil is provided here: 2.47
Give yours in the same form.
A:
6.07
